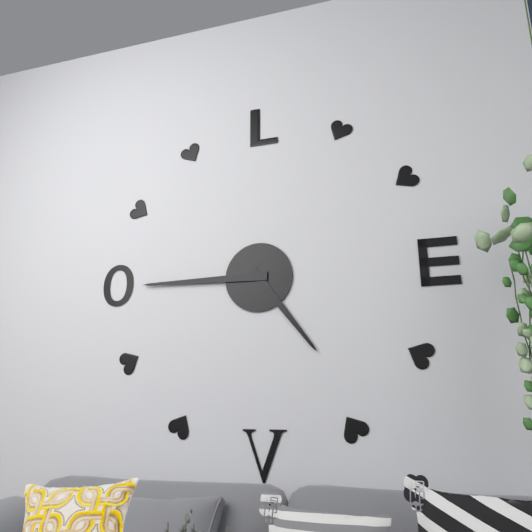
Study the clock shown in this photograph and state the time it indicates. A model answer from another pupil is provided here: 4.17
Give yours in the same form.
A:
4.45
